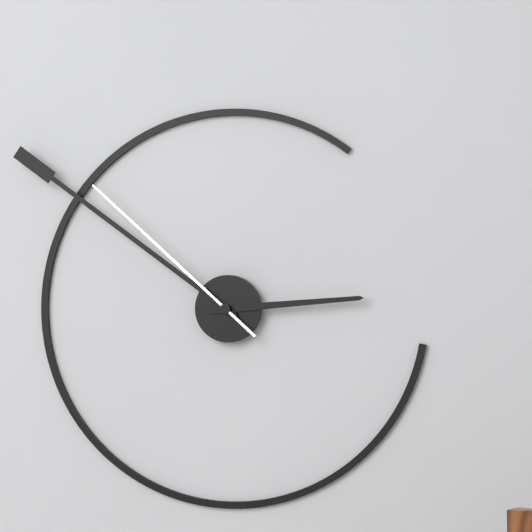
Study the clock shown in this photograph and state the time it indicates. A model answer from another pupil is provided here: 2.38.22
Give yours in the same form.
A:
2.51.52
